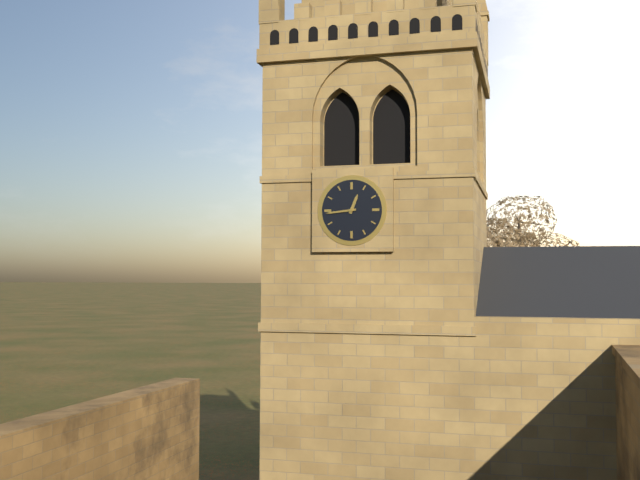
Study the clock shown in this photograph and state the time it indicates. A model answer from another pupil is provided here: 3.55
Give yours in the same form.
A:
12.44
